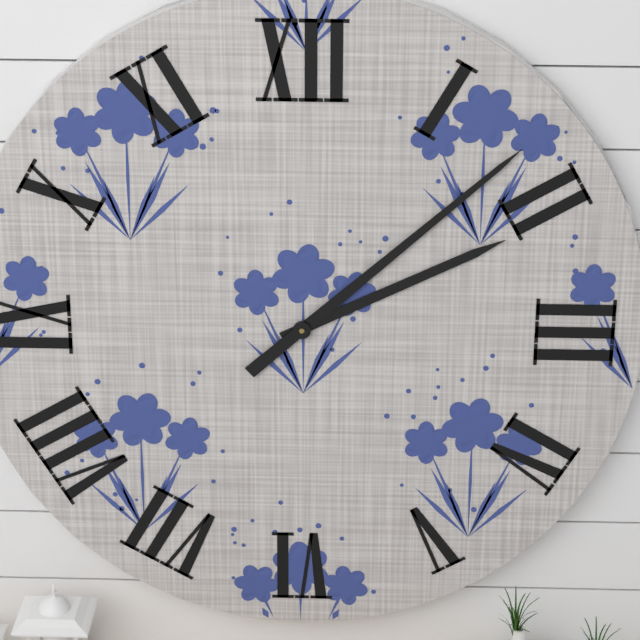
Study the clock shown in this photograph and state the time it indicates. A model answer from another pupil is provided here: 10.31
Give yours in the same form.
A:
2.08
